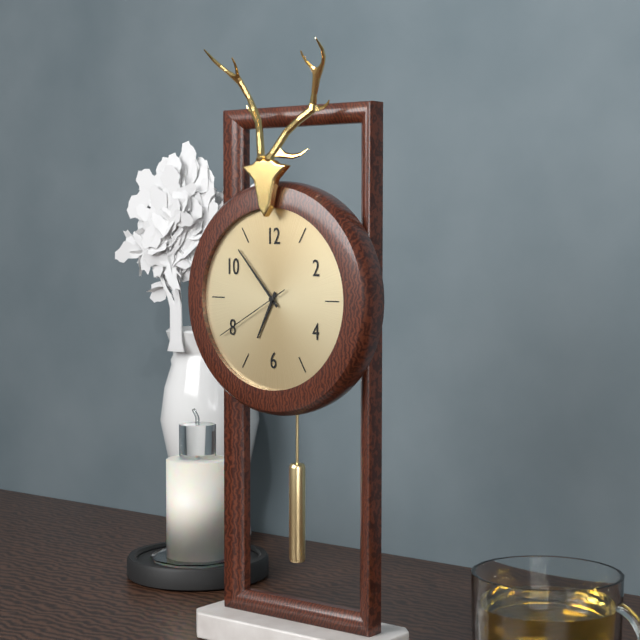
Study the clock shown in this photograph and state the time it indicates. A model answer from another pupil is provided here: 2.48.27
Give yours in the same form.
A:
6.53.40
